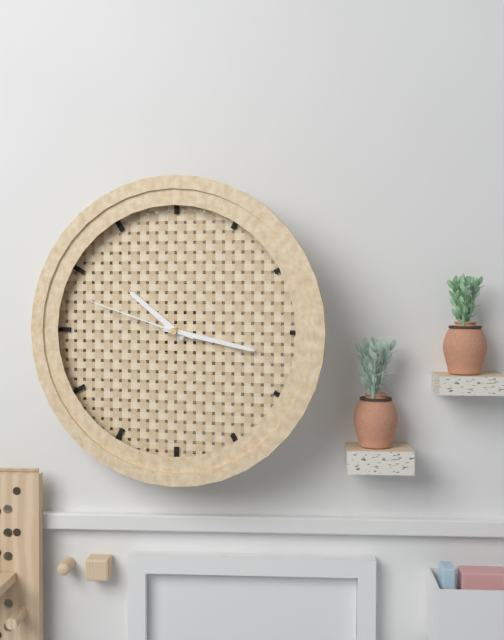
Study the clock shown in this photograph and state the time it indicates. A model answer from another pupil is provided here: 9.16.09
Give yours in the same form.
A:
10.17.48
